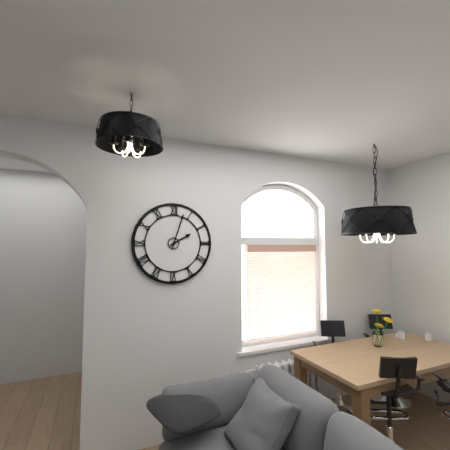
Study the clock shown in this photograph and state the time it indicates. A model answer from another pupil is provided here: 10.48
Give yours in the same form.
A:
2.03
